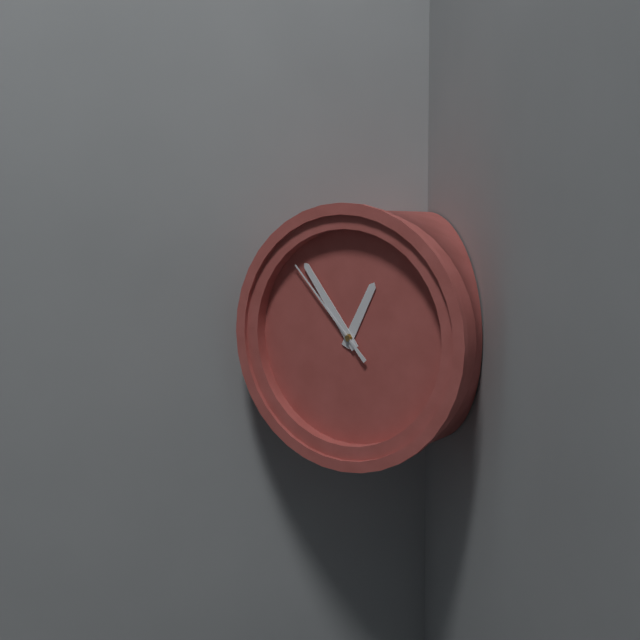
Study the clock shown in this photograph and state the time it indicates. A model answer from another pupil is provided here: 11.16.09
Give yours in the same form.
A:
12.54.53
